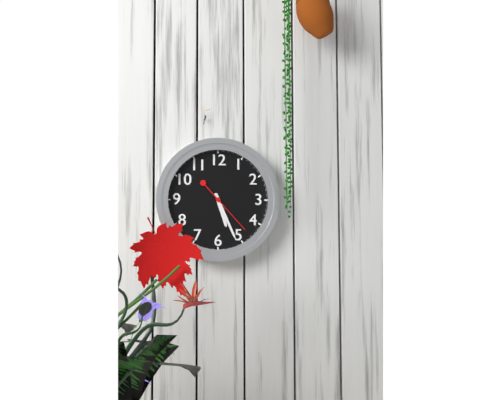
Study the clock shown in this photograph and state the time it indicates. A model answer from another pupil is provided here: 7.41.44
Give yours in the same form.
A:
5.26.23
